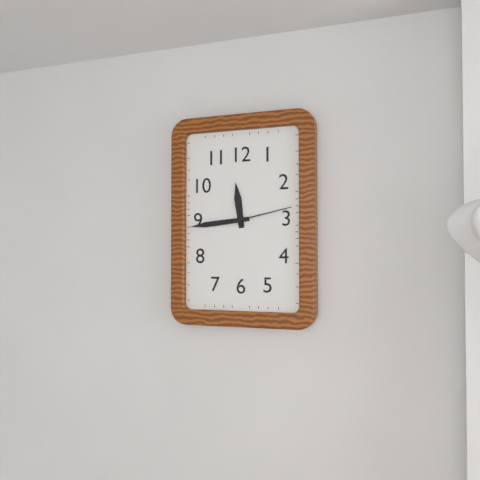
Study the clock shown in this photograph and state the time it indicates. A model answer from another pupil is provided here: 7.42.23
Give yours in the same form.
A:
11.44.13
